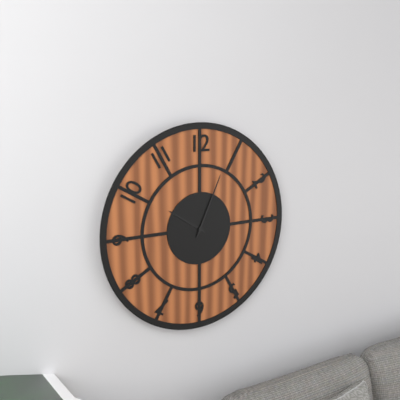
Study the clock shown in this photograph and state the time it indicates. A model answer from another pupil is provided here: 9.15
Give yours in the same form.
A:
10.04
